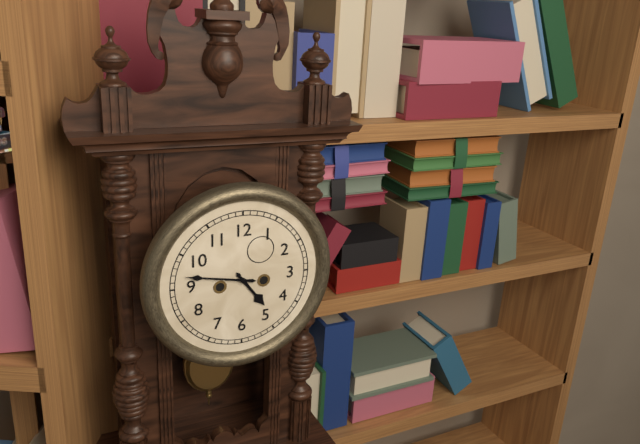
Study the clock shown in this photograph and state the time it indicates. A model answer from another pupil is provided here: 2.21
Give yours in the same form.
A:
4.47
